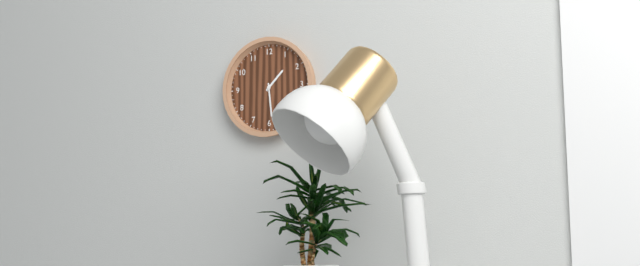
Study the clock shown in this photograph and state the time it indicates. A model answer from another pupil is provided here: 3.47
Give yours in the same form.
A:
1.29
